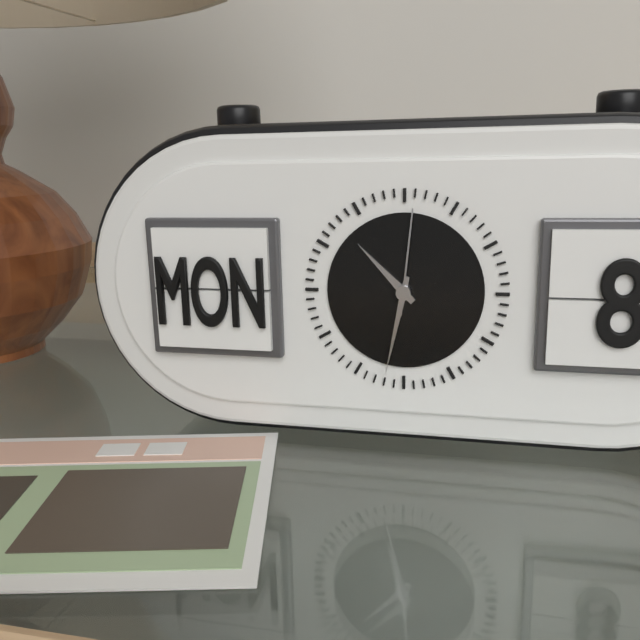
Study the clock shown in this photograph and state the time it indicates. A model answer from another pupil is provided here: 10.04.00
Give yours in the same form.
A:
10.32.01
